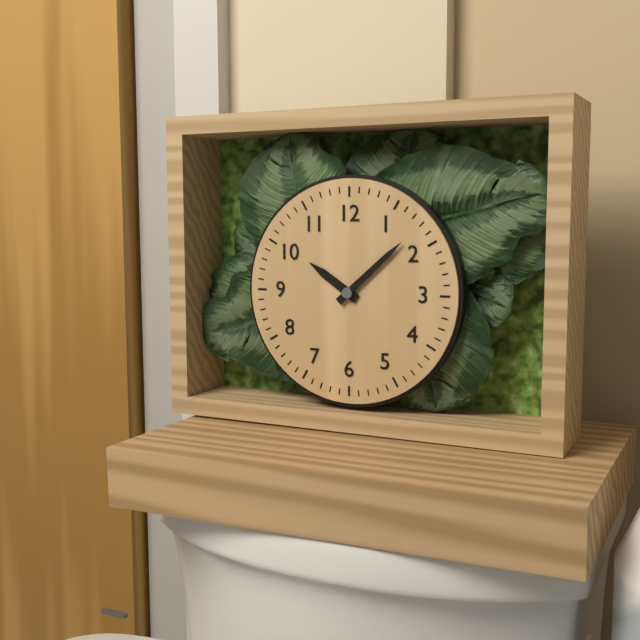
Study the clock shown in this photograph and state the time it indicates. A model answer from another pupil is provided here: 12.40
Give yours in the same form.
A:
10.08
